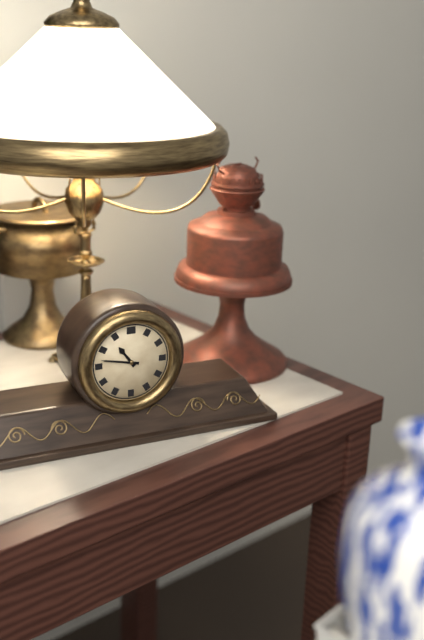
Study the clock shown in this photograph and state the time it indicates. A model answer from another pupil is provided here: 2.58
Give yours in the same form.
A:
10.47
